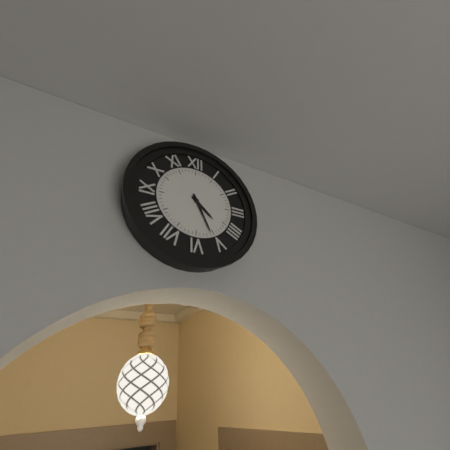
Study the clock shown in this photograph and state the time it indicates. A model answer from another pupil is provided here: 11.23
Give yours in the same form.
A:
4.26
